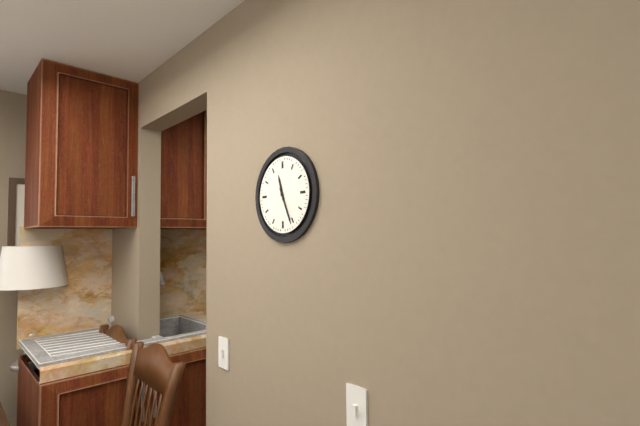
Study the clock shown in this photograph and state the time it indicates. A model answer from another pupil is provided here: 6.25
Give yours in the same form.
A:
11.26
